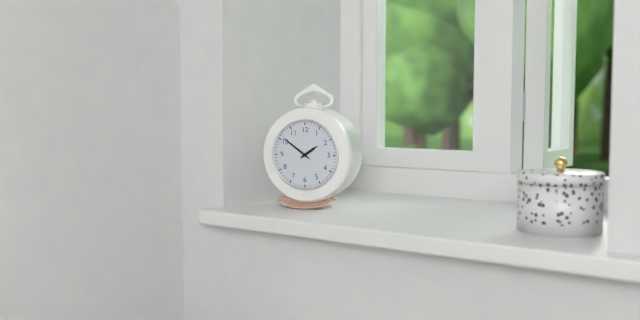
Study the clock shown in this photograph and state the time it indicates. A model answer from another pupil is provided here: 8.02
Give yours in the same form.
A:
1.51
